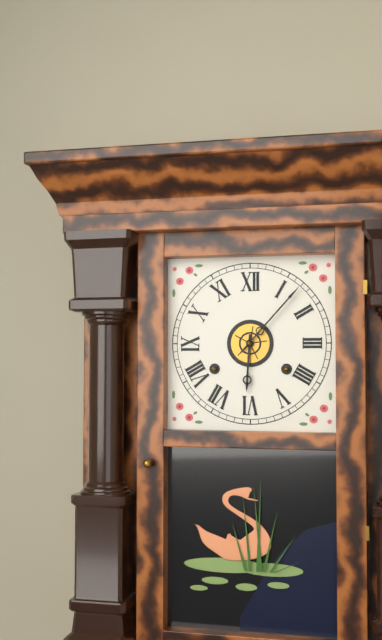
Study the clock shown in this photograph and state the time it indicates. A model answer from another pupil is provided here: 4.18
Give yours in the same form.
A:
6.07
